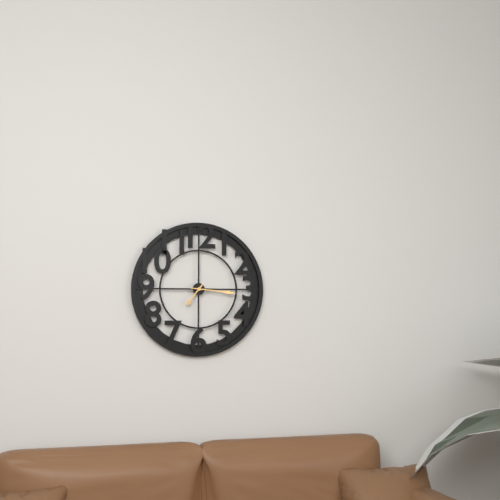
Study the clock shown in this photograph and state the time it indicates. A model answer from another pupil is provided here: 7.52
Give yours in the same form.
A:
7.16
